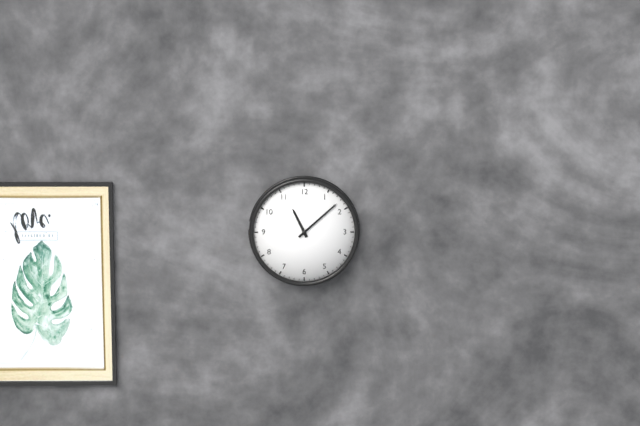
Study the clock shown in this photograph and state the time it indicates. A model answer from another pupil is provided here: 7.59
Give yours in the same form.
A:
11.08
